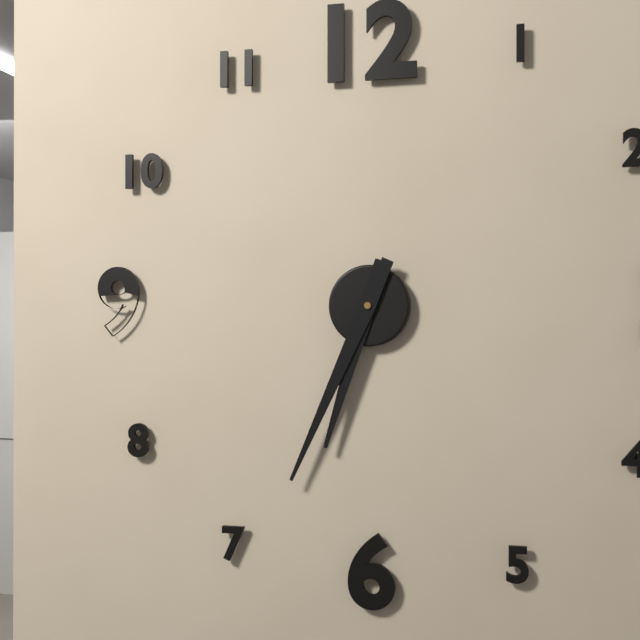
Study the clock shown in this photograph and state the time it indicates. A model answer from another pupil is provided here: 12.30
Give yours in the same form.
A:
6.34
